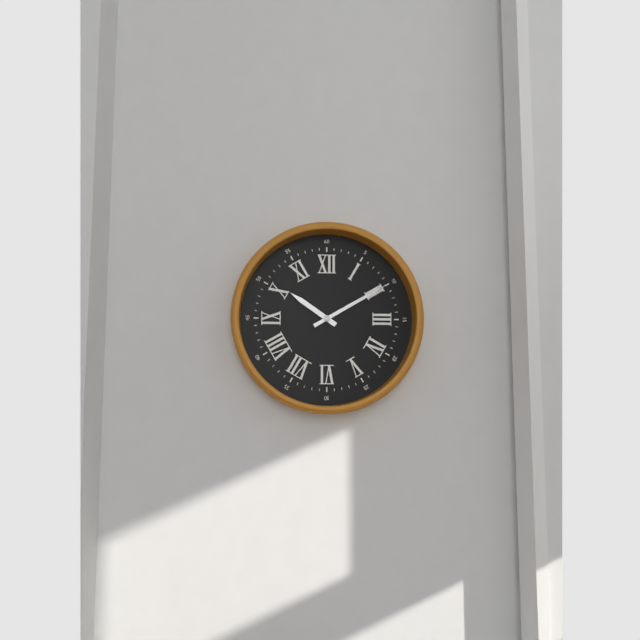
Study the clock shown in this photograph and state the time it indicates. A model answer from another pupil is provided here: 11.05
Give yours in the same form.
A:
10.10
